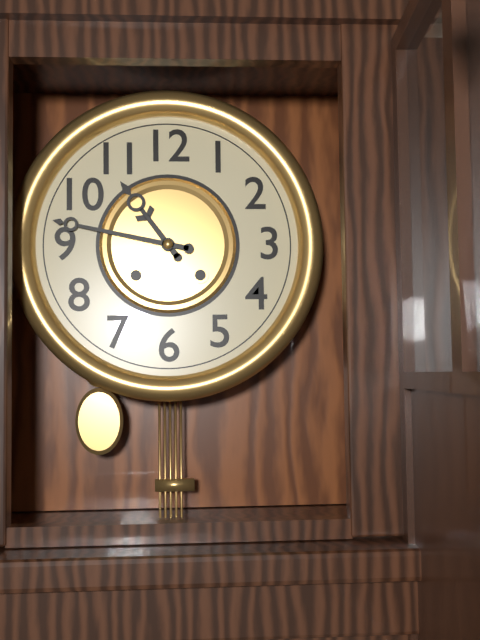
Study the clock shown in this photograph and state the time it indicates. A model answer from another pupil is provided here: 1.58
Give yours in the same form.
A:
10.47
